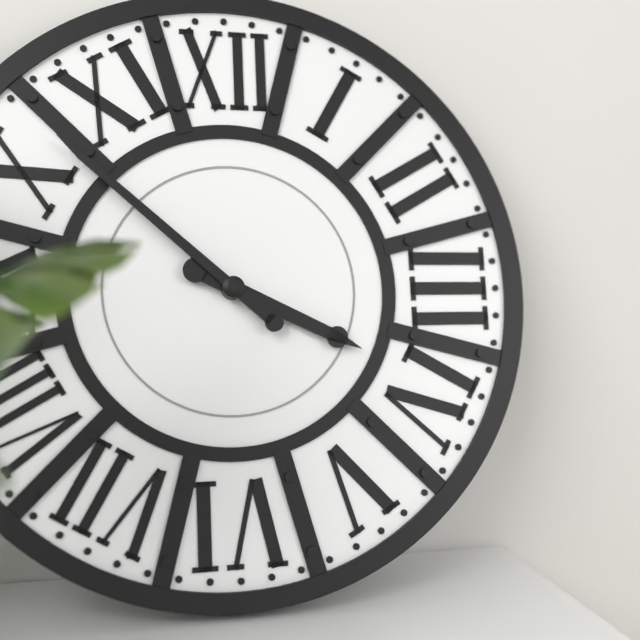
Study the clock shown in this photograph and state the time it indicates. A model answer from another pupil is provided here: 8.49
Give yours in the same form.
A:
3.52
